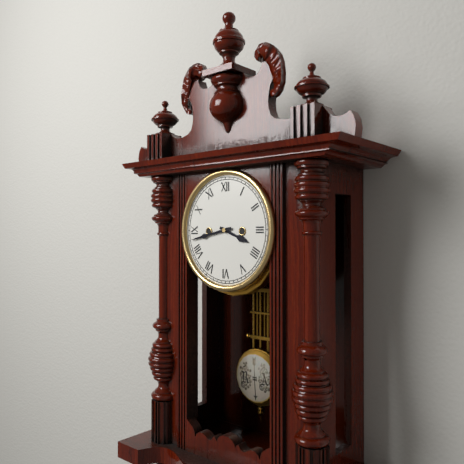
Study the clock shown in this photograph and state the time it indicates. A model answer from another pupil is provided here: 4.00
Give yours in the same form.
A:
3.43
